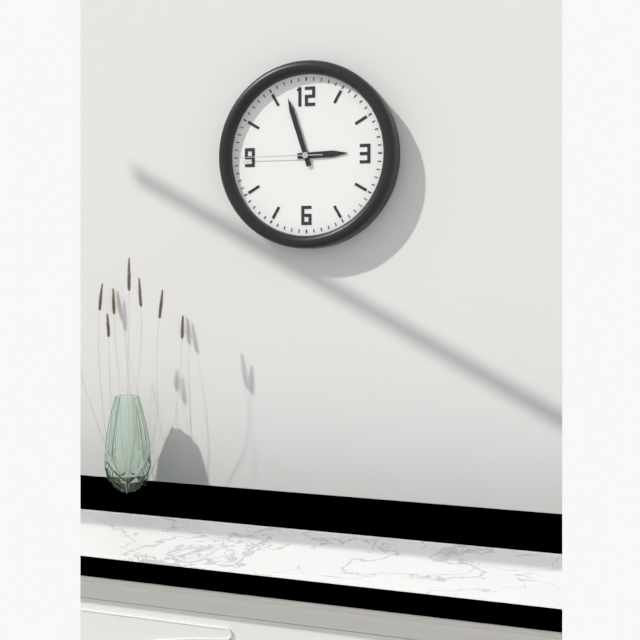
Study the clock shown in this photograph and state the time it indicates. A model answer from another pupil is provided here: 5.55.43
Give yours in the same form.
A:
2.57.45
